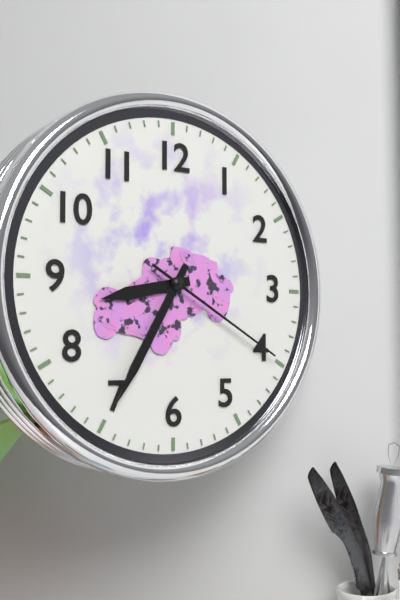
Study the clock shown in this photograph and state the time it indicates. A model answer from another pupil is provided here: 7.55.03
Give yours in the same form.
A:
8.35.20
